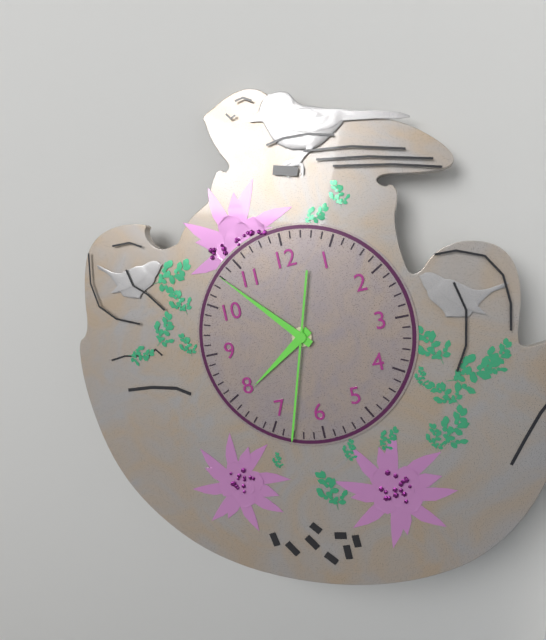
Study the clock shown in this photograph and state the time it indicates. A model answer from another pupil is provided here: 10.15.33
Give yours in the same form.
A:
7.53.33
